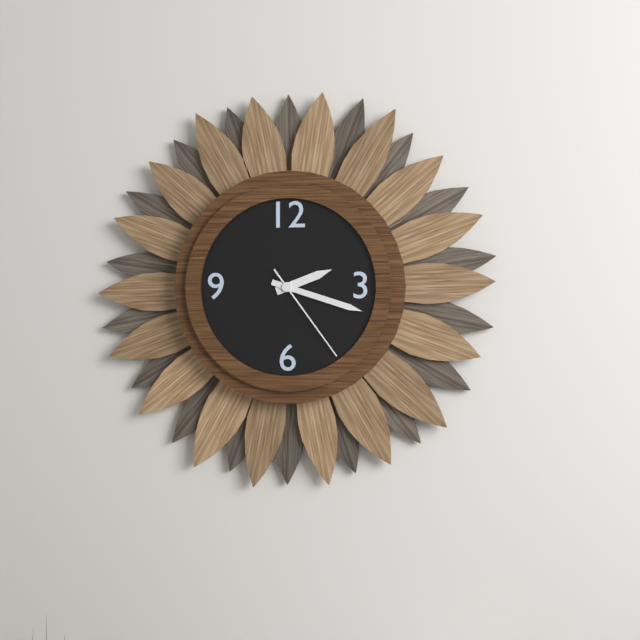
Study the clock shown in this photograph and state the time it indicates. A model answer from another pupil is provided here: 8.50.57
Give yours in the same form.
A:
2.18.24
